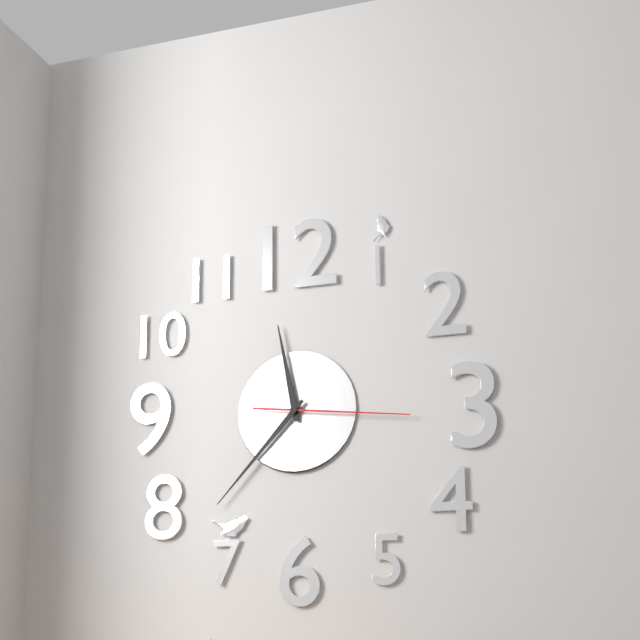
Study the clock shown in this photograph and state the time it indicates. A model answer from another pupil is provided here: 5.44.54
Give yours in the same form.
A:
11.37.16
